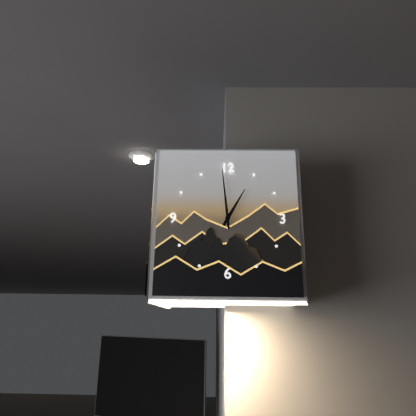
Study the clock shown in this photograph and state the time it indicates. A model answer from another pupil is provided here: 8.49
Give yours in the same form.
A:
12.59
